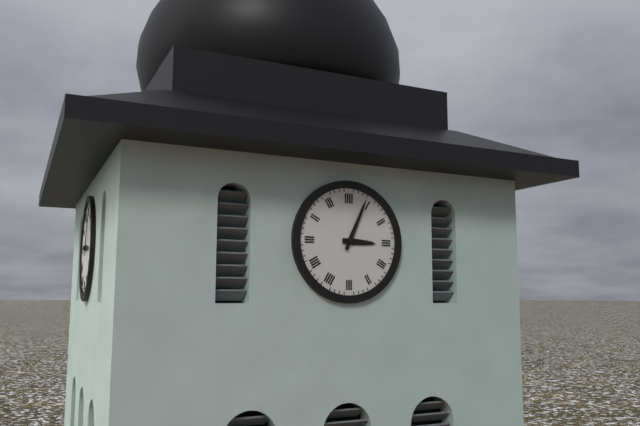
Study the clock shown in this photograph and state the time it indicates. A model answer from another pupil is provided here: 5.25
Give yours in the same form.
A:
3.04
